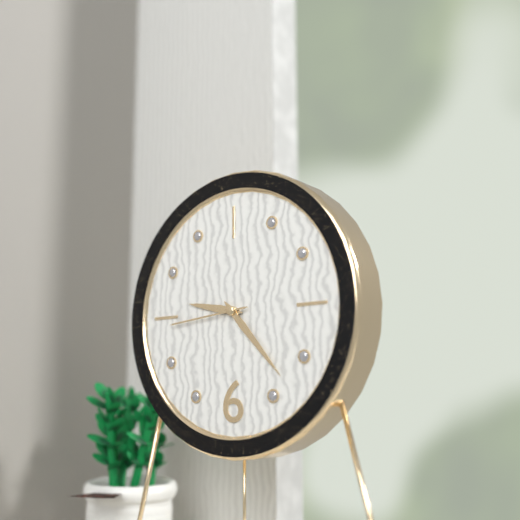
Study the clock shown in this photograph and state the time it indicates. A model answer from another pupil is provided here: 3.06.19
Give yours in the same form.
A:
9.23.44
